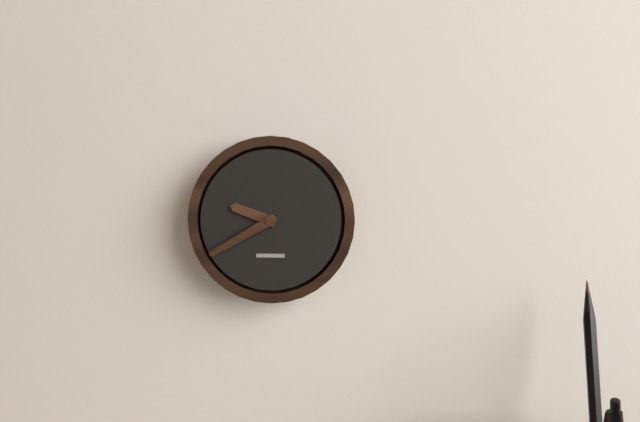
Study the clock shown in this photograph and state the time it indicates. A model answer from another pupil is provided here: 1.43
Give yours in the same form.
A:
9.40
